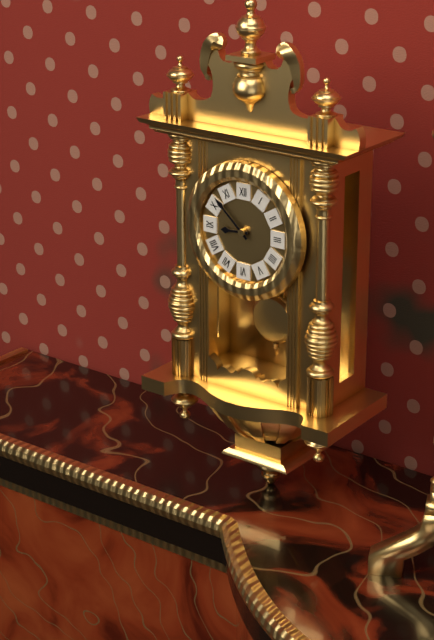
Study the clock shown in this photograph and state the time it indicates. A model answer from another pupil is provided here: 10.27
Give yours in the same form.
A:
8.52
